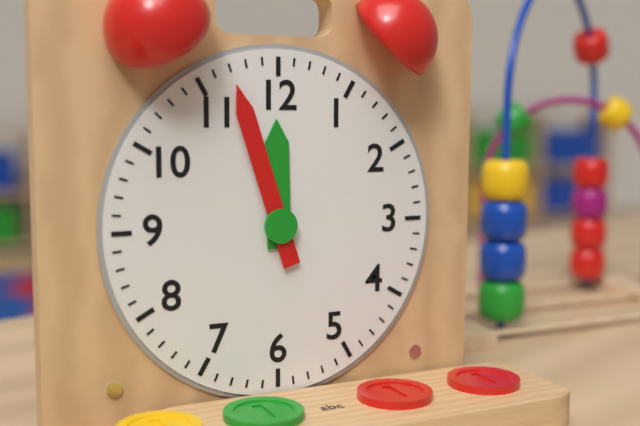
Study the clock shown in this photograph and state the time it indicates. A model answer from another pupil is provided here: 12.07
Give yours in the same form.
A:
11.57
